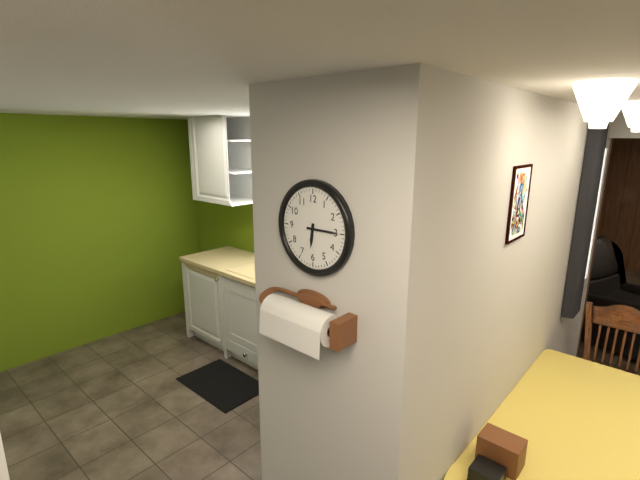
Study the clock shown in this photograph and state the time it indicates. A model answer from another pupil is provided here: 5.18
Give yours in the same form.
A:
6.15
